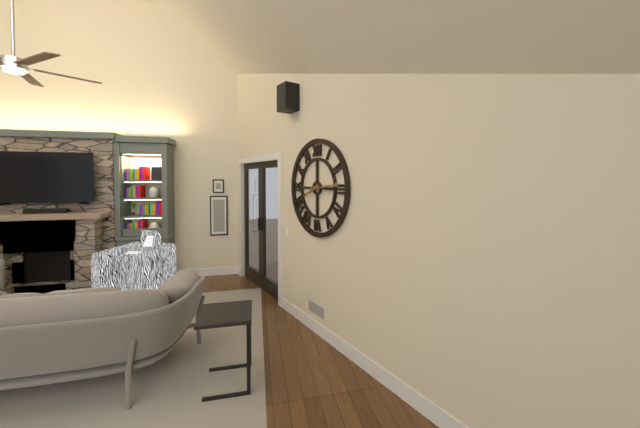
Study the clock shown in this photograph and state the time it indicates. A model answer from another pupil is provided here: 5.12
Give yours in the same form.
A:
8.14
